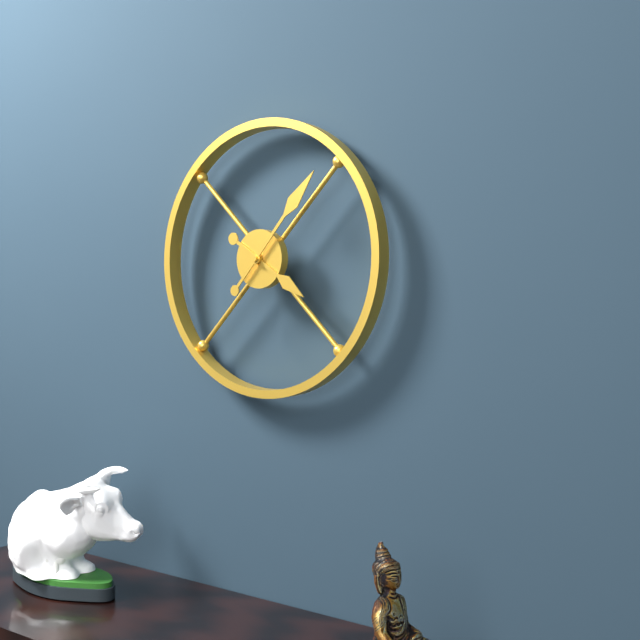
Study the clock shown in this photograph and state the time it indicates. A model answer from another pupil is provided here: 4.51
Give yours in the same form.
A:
4.07
